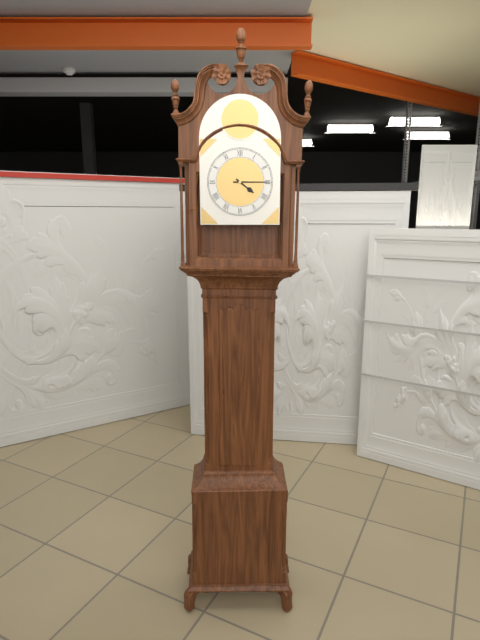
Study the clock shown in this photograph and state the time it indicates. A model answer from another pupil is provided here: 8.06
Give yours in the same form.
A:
4.15
